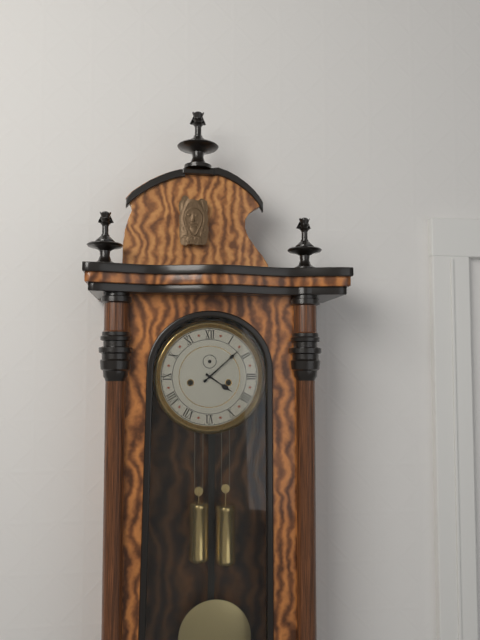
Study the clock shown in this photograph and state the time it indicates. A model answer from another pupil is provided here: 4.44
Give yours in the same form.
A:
4.08
